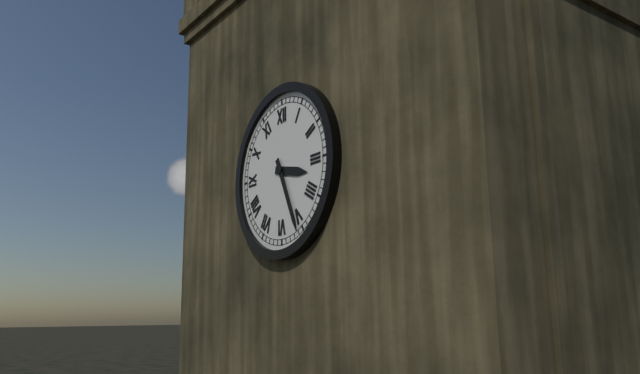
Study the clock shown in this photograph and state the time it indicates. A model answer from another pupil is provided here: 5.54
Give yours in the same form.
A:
3.26
